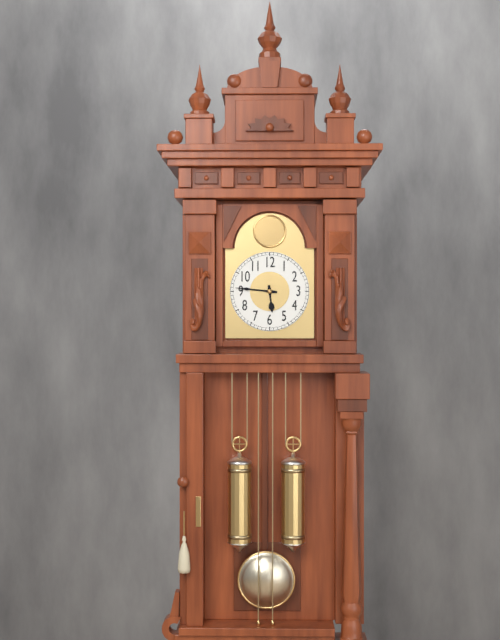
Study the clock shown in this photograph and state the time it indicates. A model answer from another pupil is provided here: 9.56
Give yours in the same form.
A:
5.46
